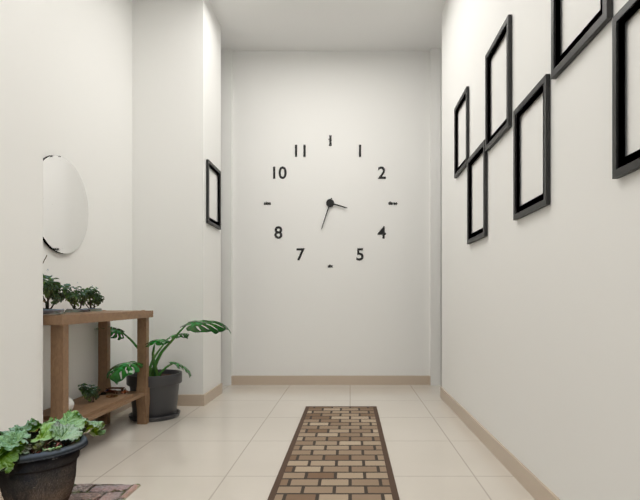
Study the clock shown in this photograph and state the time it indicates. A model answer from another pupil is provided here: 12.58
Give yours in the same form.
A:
3.33
